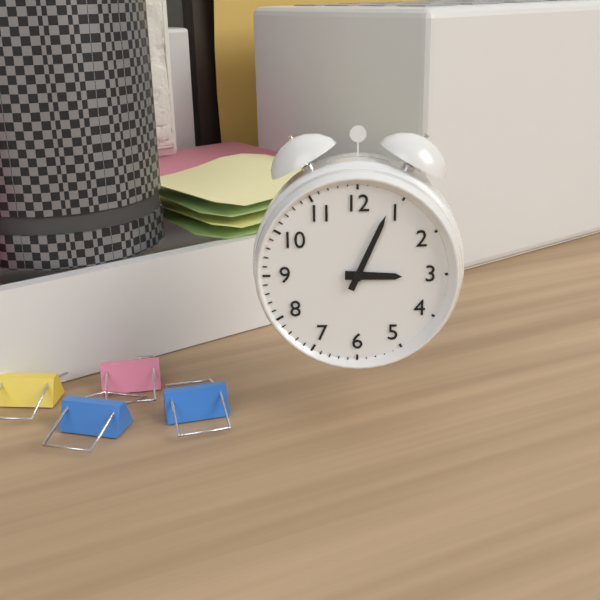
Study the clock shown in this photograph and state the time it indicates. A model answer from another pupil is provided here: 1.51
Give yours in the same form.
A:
3.04
